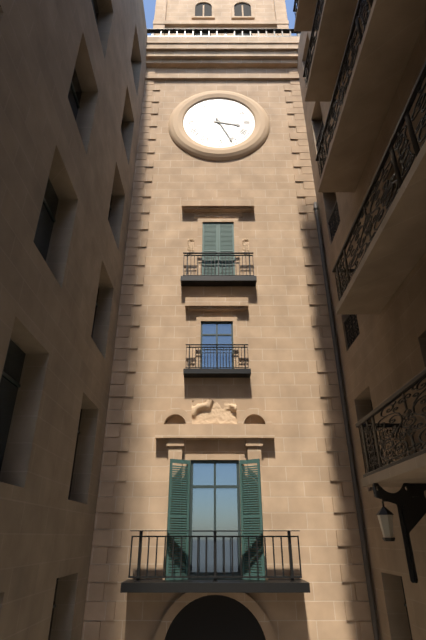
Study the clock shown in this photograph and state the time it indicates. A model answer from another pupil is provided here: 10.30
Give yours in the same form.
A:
3.26
